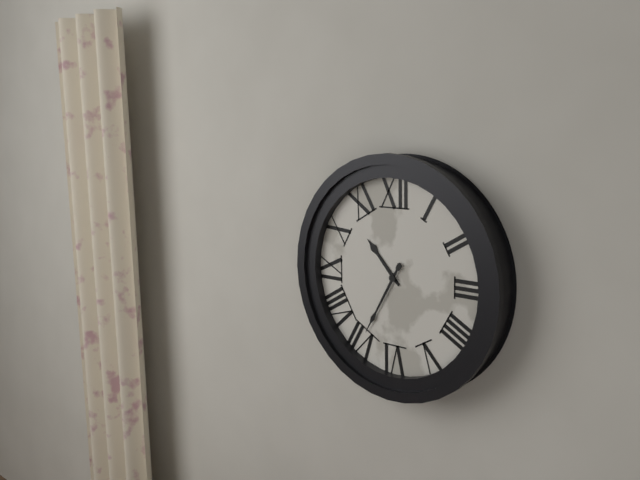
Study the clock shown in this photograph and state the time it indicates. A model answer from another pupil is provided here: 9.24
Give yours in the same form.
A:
10.35
